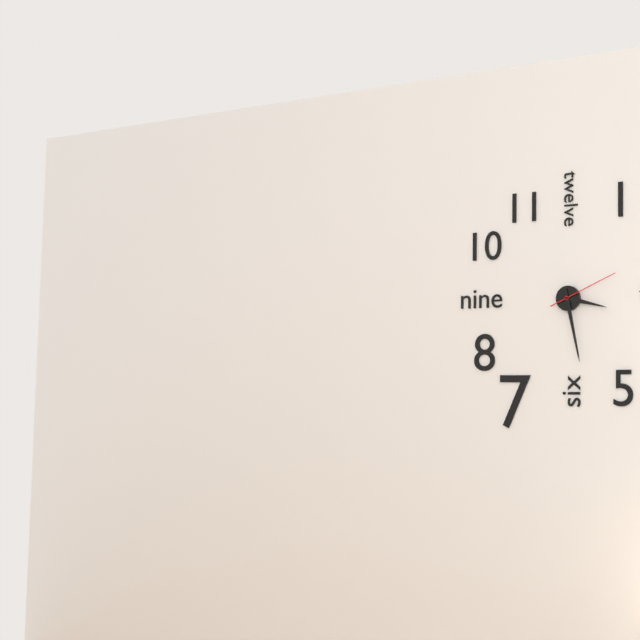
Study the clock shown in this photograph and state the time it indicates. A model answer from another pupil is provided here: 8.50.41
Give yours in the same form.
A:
3.28.11
